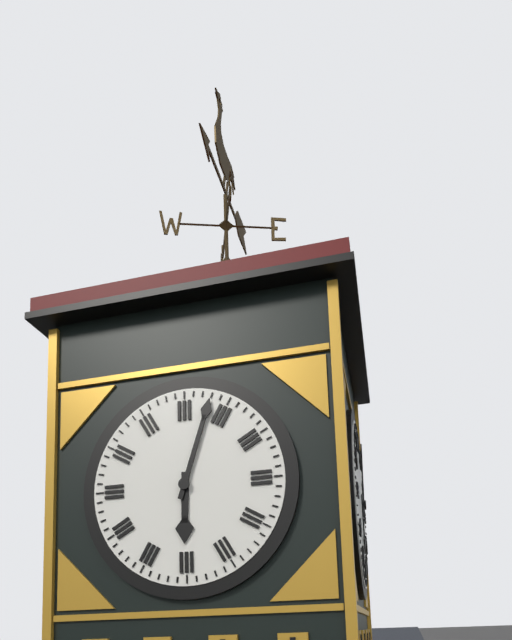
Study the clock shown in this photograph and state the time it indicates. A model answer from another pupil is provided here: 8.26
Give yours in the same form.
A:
6.03
